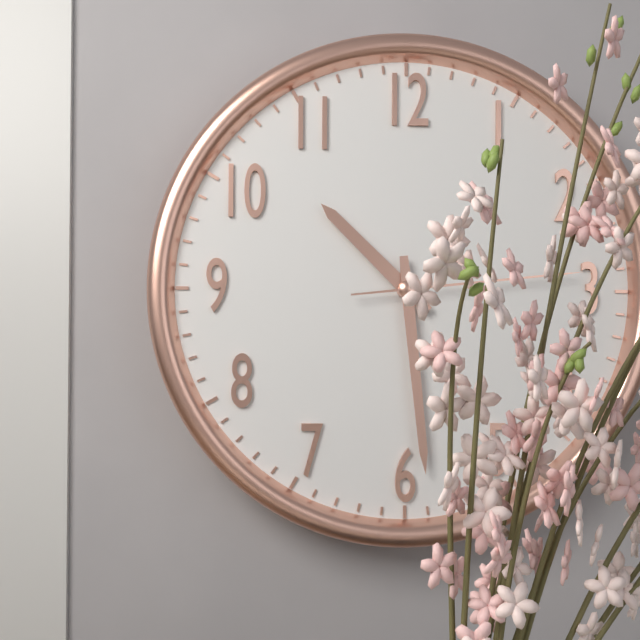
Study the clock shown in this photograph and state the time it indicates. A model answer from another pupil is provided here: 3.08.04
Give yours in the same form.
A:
10.29.14
